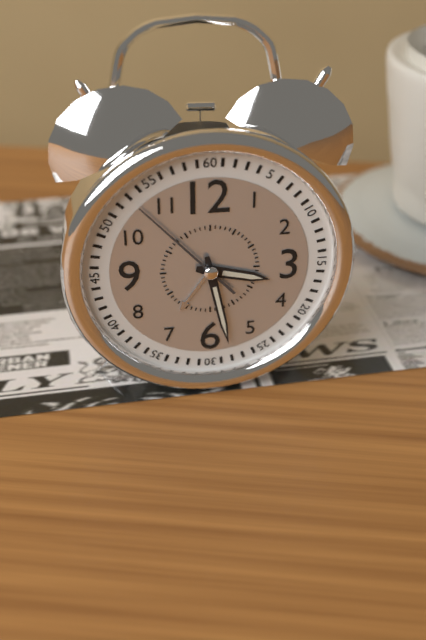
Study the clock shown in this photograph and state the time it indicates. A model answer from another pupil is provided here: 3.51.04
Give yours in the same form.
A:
3.28.53
